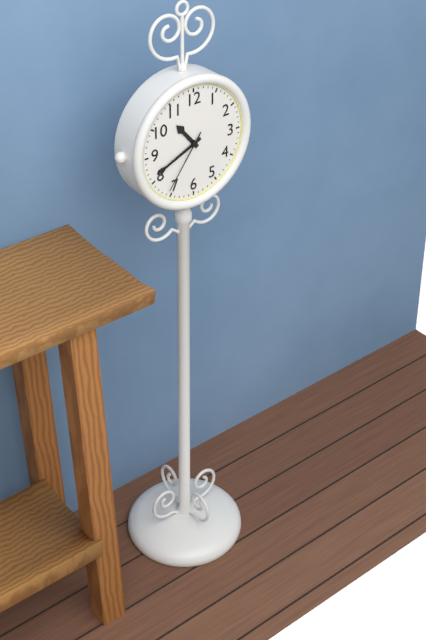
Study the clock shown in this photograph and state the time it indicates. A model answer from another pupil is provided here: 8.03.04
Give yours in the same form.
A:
10.41.36
